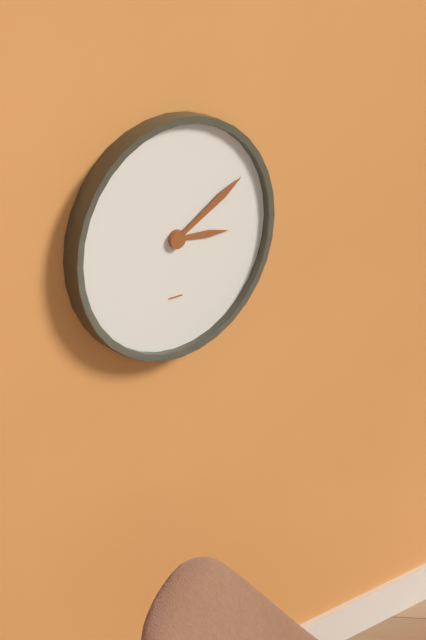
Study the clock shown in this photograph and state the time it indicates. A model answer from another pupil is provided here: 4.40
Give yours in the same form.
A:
3.10
